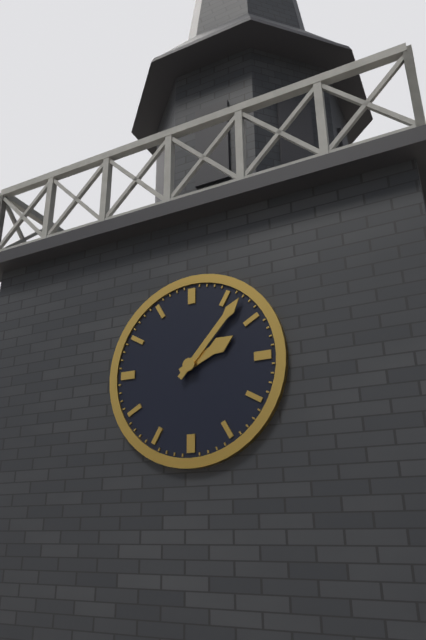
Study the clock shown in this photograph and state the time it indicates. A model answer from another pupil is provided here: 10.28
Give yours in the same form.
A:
2.07
